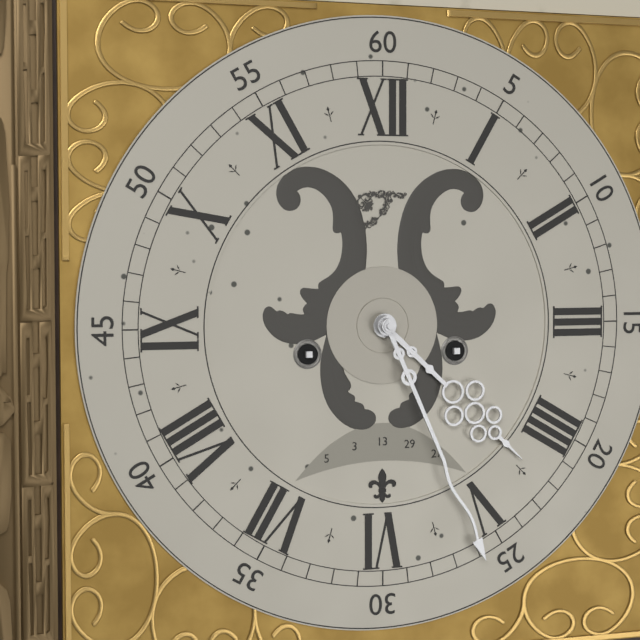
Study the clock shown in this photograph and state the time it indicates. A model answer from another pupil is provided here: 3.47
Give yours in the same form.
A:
4.26
